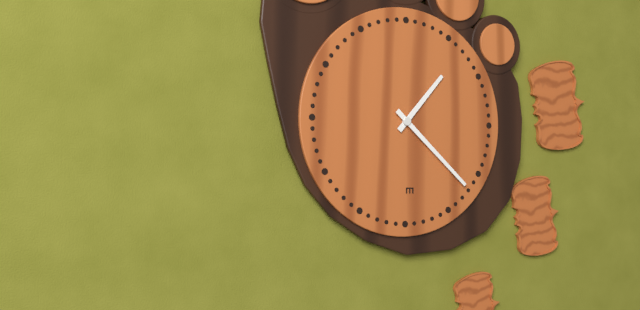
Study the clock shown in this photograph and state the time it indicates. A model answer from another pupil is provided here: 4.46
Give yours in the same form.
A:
1.22
